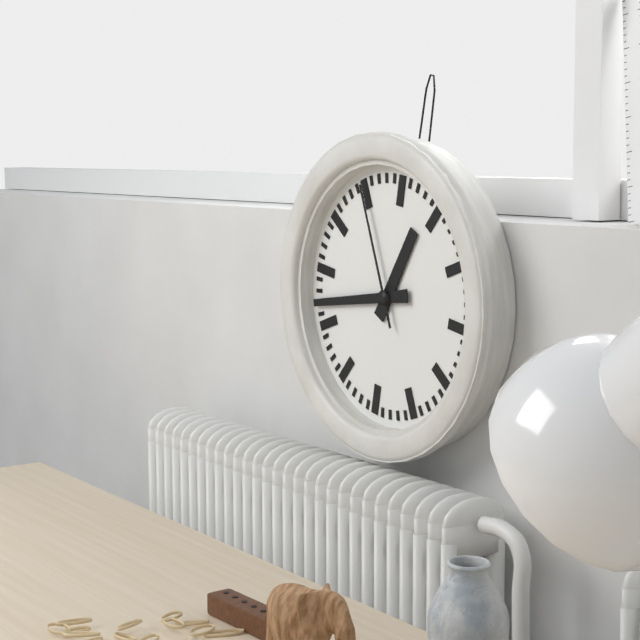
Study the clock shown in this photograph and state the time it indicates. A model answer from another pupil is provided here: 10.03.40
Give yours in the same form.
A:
12.42.55
